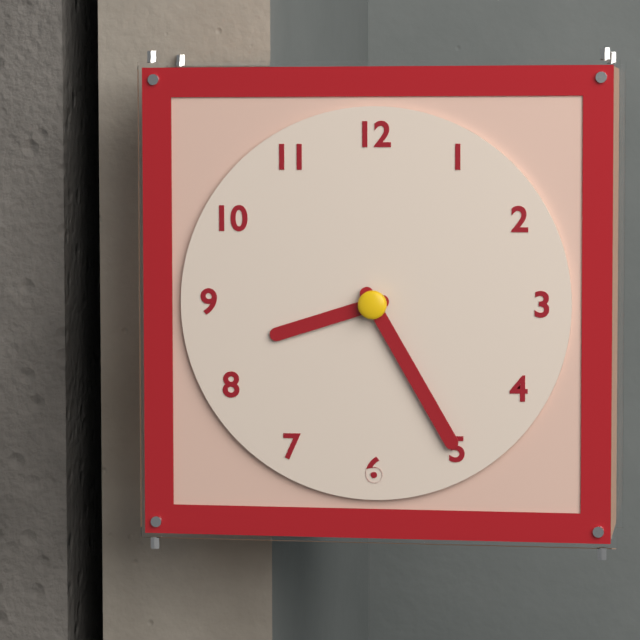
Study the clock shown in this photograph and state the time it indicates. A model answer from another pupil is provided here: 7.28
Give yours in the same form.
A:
8.25
